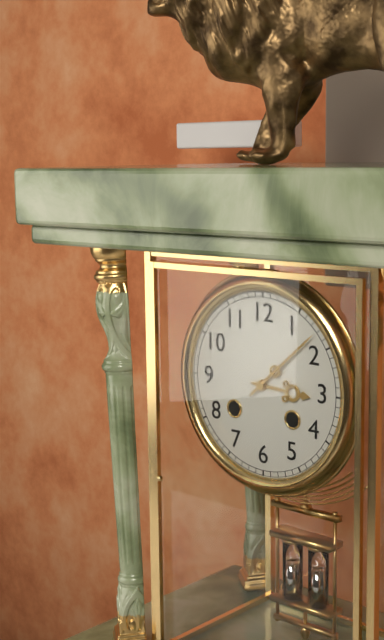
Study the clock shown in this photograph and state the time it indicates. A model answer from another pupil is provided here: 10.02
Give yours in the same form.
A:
3.08
